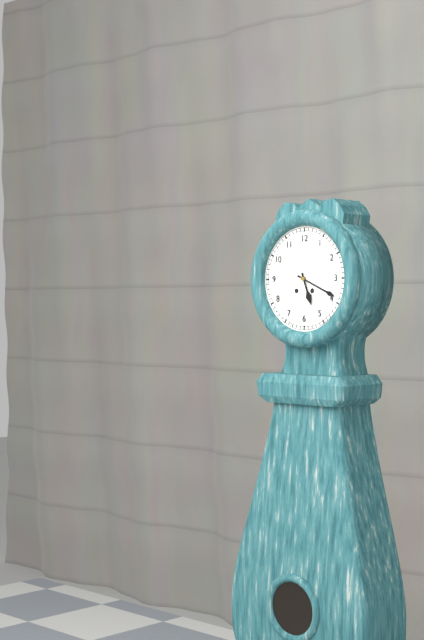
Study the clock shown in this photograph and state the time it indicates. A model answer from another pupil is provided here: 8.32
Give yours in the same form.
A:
5.19
